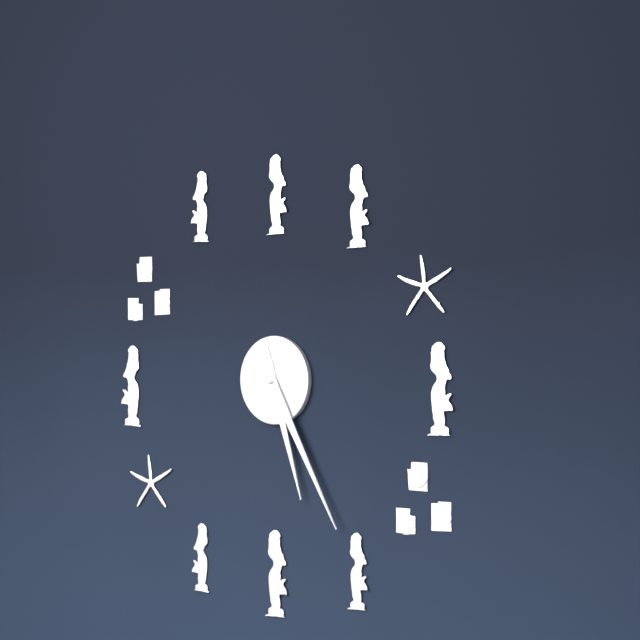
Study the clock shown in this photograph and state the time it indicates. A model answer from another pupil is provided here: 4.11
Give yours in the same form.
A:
5.25
